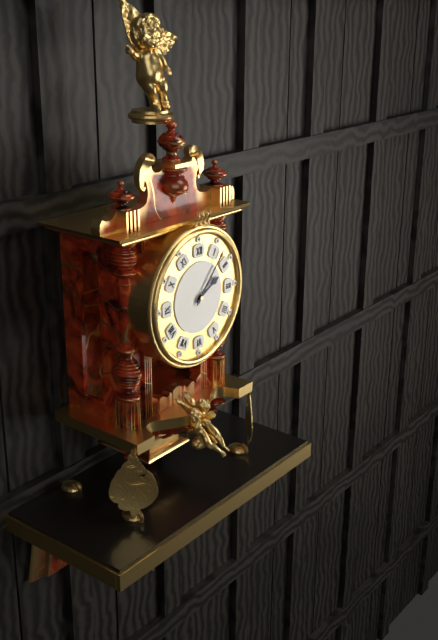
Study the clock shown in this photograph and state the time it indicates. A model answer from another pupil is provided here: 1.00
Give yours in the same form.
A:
2.07
